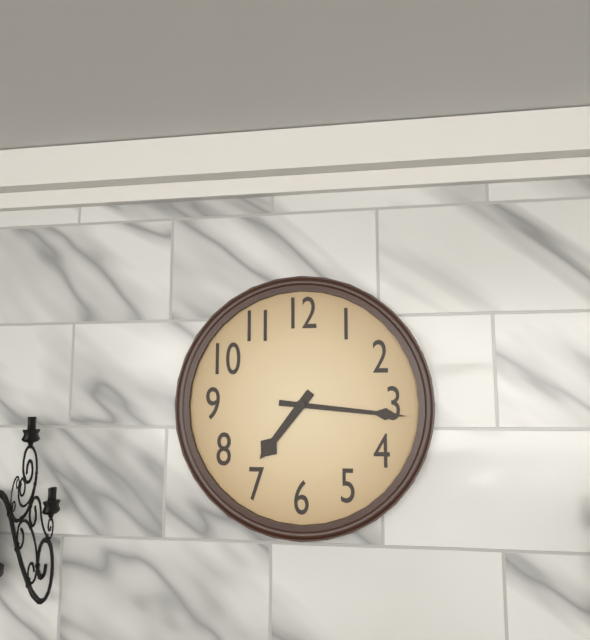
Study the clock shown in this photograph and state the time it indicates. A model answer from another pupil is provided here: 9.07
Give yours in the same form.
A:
7.16
